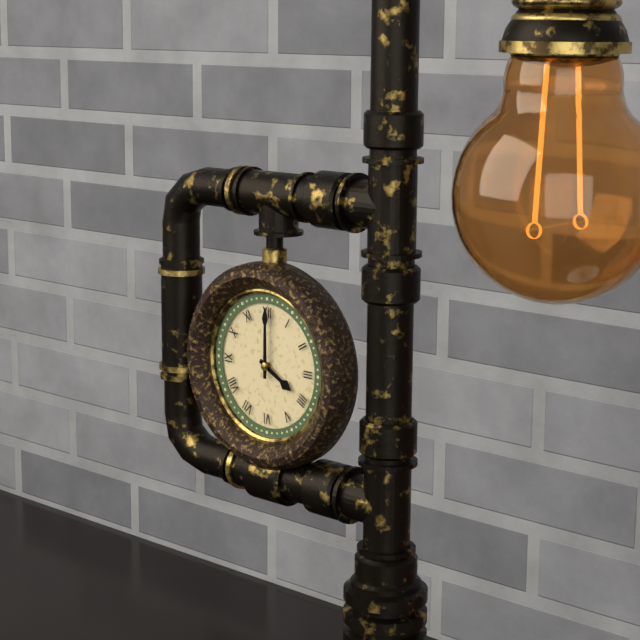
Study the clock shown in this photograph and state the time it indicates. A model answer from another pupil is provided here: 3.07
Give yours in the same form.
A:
4.00
